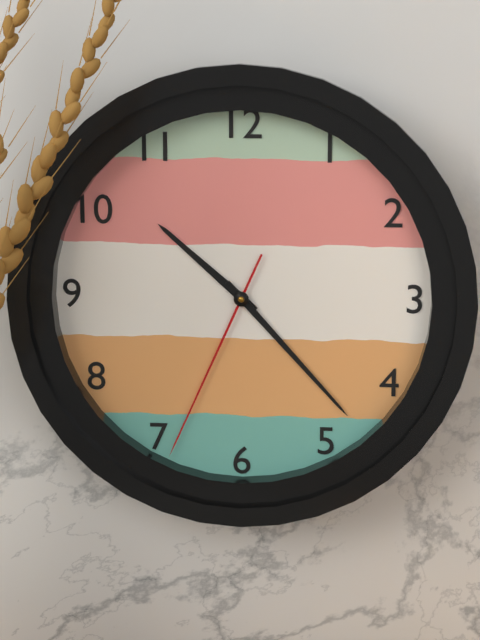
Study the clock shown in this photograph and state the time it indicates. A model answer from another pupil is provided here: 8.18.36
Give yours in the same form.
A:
10.23.34
